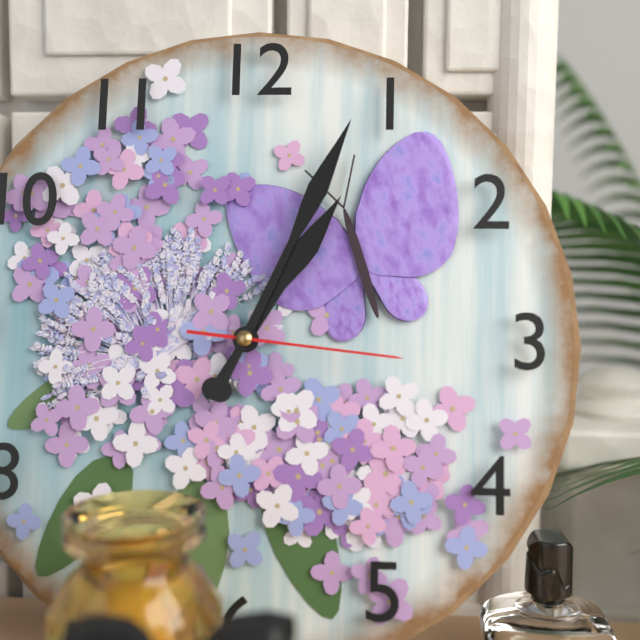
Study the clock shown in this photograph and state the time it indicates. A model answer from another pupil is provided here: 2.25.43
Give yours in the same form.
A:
1.04.16
